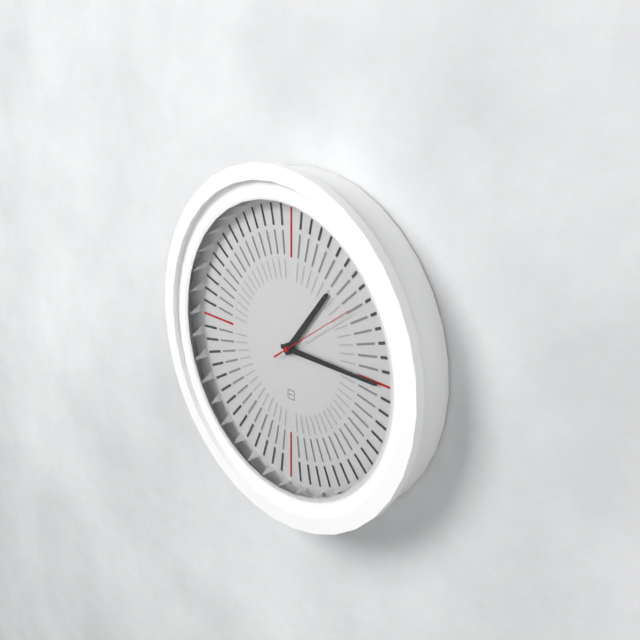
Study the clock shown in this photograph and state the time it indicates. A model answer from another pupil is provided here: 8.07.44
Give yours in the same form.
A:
1.15.09
